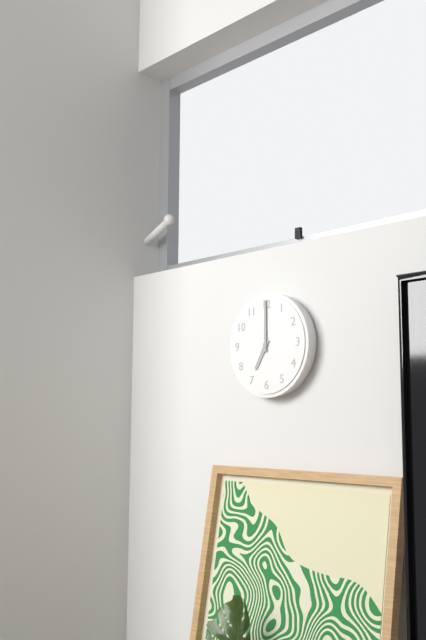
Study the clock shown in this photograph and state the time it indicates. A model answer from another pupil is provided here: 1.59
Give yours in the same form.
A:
7.00
